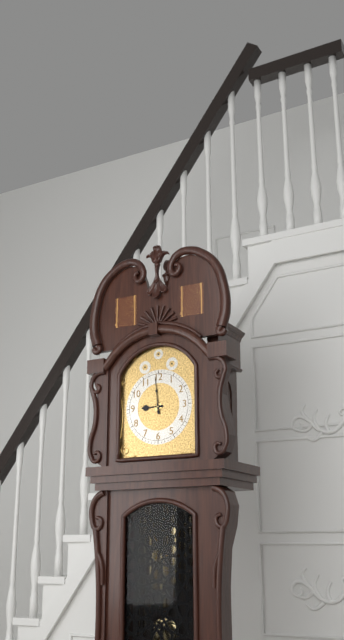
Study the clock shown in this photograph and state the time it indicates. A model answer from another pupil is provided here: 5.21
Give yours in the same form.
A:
8.59
